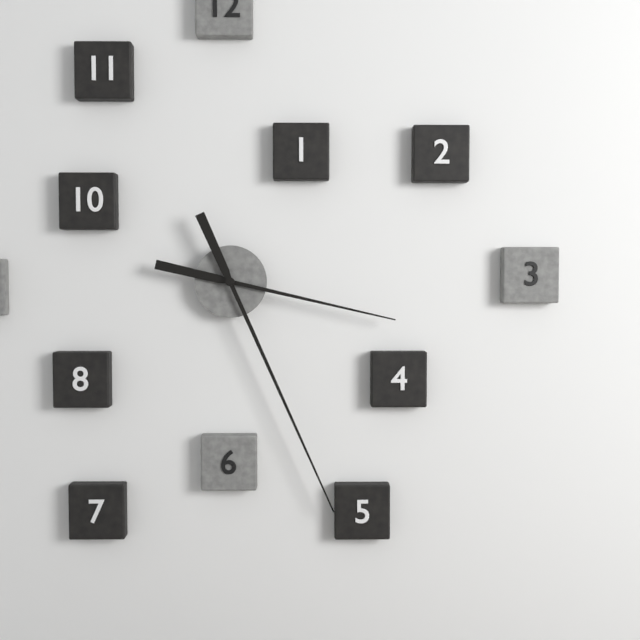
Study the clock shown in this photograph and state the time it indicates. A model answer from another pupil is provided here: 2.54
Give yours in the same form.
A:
3.26
